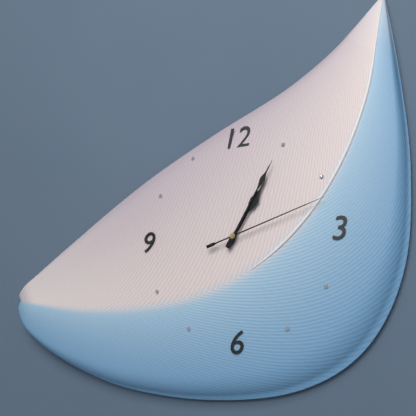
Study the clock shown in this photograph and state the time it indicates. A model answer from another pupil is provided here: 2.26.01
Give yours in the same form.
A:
1.05.12
